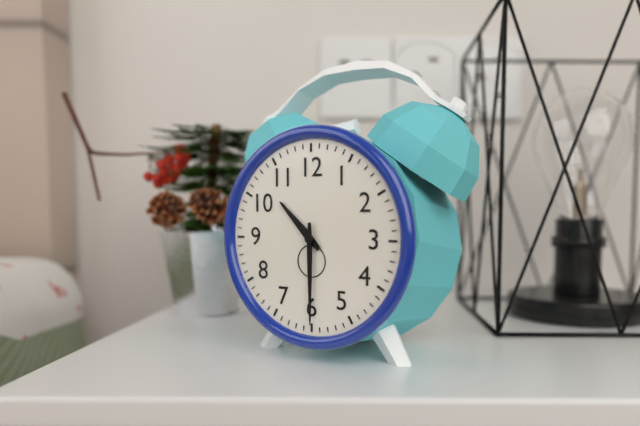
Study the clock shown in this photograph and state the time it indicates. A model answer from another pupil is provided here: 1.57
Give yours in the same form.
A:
10.30
